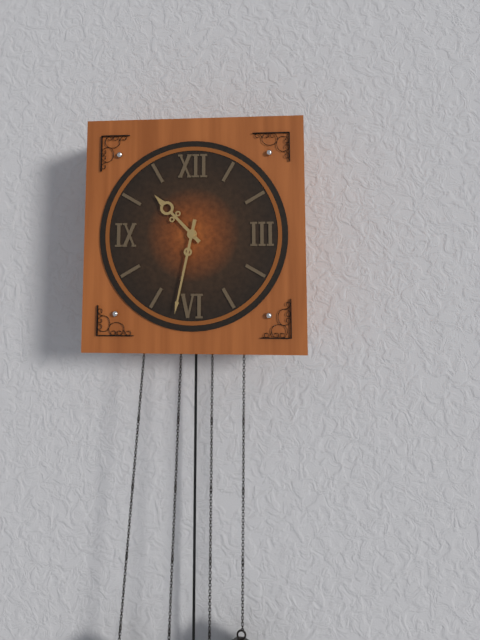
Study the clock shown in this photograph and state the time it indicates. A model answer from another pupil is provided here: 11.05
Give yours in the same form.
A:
10.32
